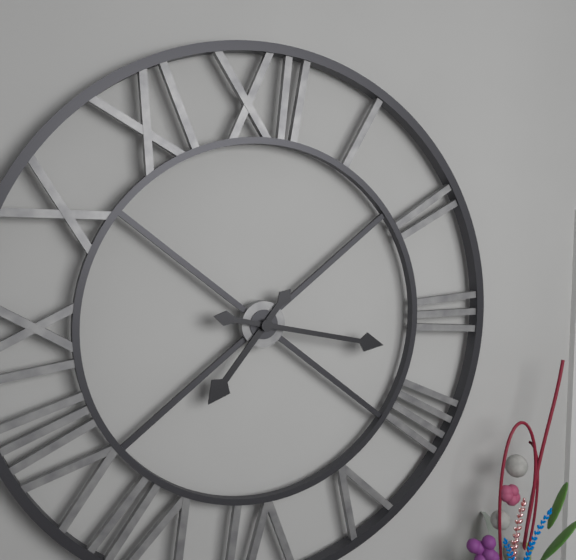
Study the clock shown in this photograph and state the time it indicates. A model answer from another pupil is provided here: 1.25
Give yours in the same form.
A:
7.17
